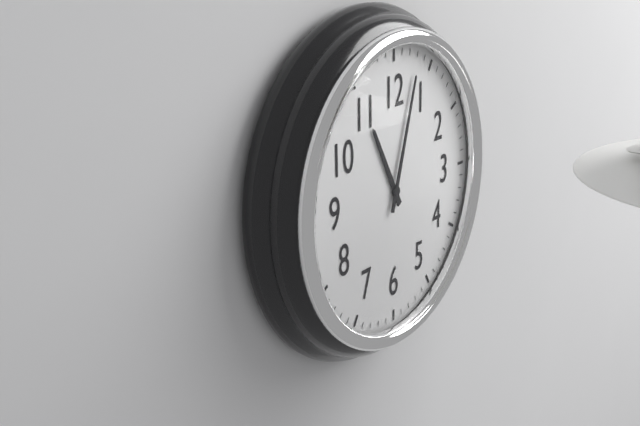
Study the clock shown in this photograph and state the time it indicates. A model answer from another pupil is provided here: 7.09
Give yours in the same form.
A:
11.03
